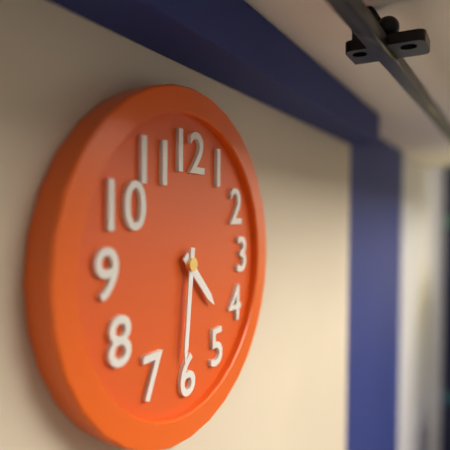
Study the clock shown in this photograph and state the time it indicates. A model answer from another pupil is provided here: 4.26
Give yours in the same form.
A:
4.31
